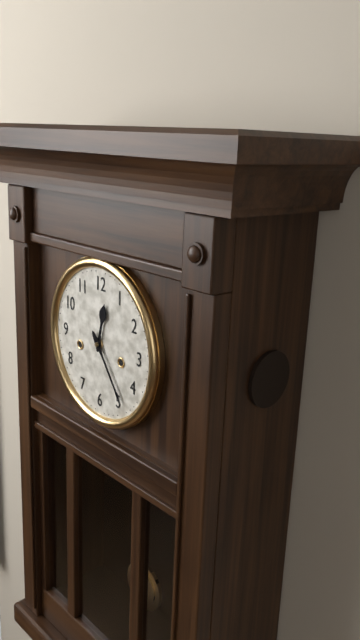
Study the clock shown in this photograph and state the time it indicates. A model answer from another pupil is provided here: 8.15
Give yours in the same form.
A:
12.24
